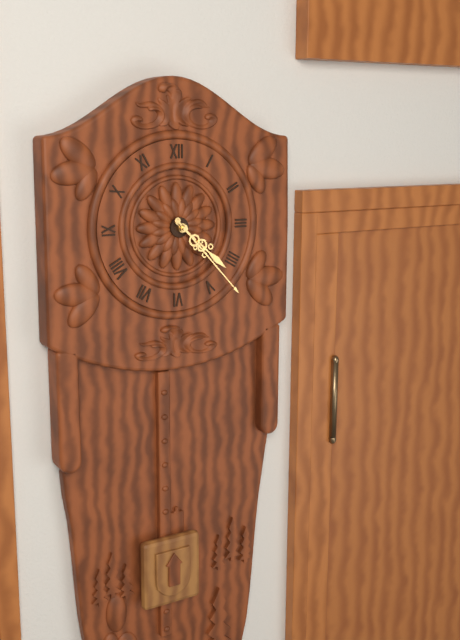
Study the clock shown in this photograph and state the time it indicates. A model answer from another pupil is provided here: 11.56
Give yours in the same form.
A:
4.23
